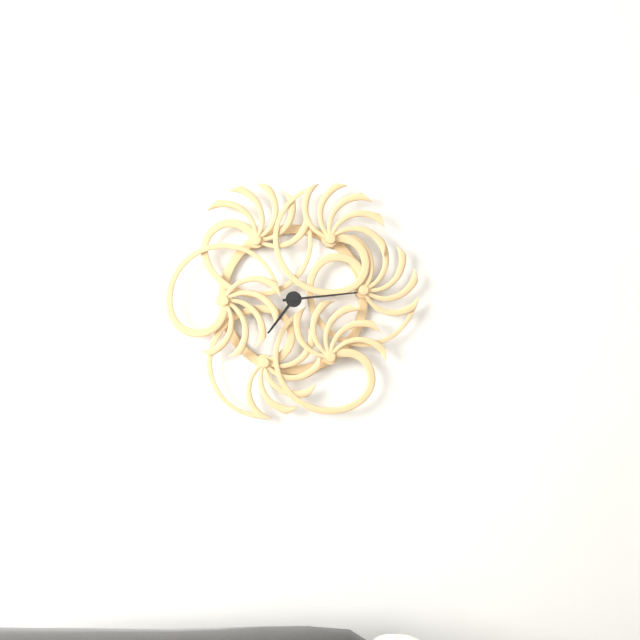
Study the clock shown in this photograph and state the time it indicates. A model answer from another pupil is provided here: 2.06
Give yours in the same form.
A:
7.14
